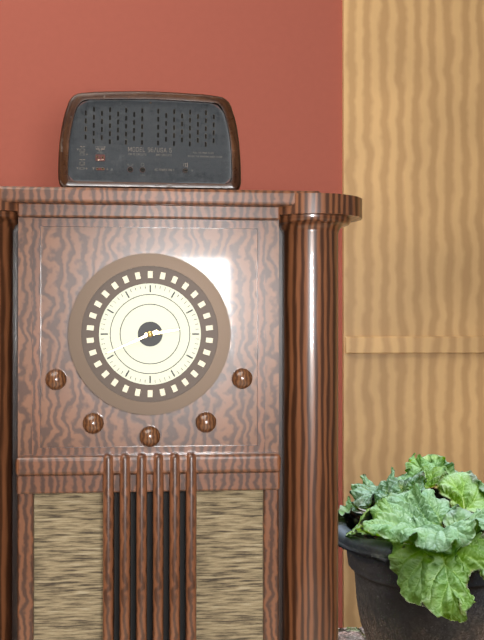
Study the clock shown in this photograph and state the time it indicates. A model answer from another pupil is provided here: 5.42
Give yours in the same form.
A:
2.41
